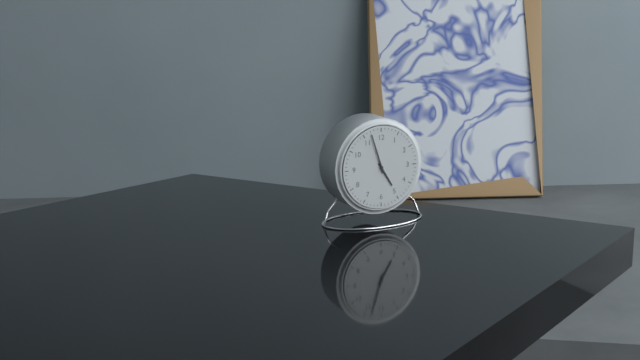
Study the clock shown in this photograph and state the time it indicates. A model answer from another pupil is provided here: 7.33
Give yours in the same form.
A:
4.57
